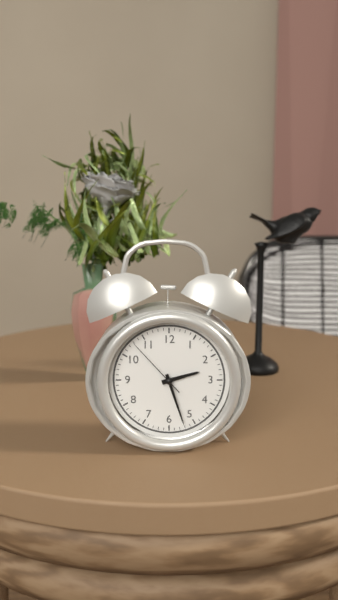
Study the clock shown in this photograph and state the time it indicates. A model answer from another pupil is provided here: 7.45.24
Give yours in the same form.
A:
2.27.53
